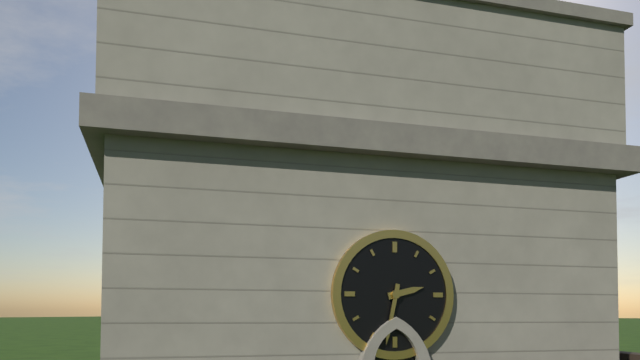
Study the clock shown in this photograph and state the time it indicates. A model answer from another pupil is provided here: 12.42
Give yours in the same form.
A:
2.32
